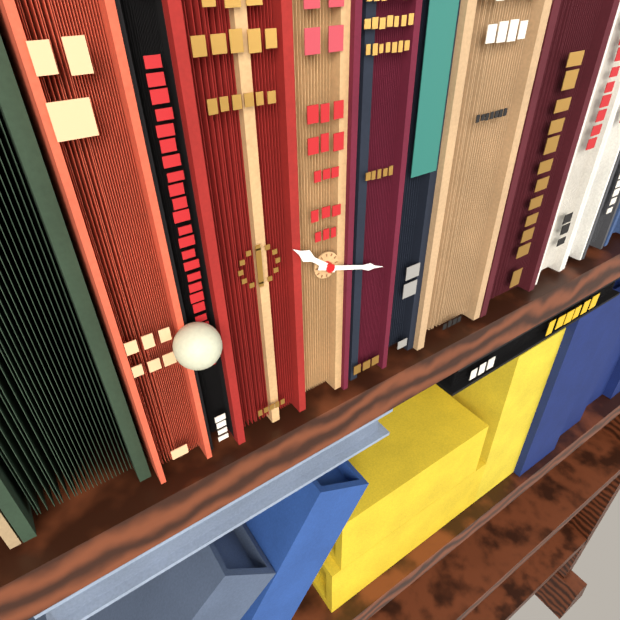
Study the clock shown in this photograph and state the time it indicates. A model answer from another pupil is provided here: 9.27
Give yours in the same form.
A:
10.18
